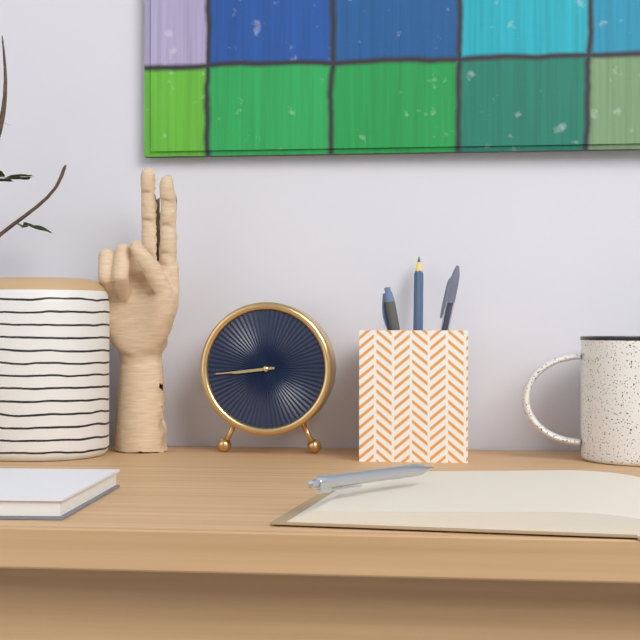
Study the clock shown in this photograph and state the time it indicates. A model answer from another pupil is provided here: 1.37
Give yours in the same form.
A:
8.44
